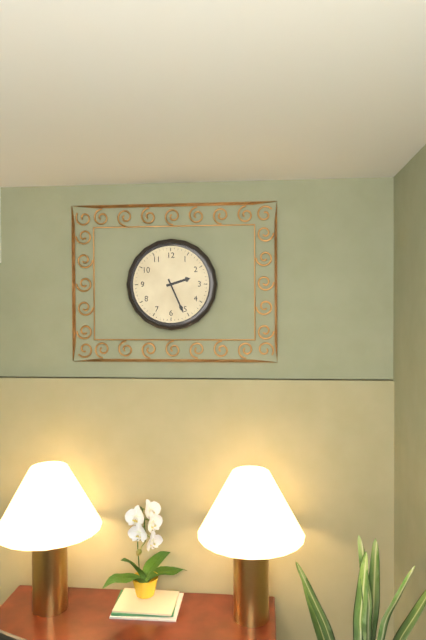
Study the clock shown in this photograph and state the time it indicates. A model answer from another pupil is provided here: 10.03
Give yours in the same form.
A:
2.26
